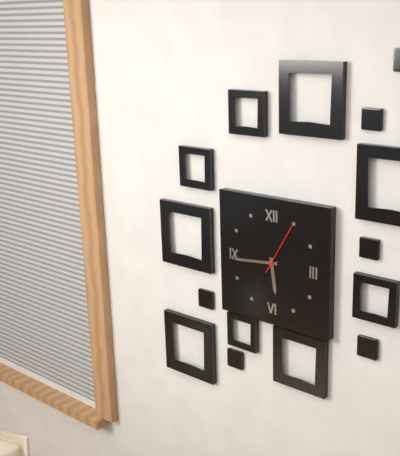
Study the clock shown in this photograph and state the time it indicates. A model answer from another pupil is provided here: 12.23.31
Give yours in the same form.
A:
5.44.05
